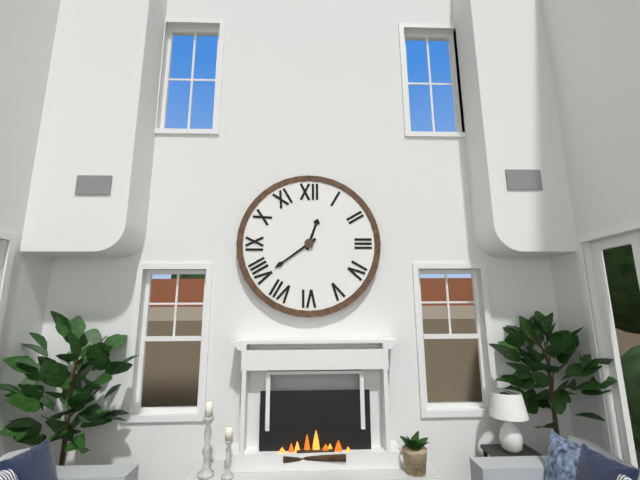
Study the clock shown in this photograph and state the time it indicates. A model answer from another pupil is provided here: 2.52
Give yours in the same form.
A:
12.39
